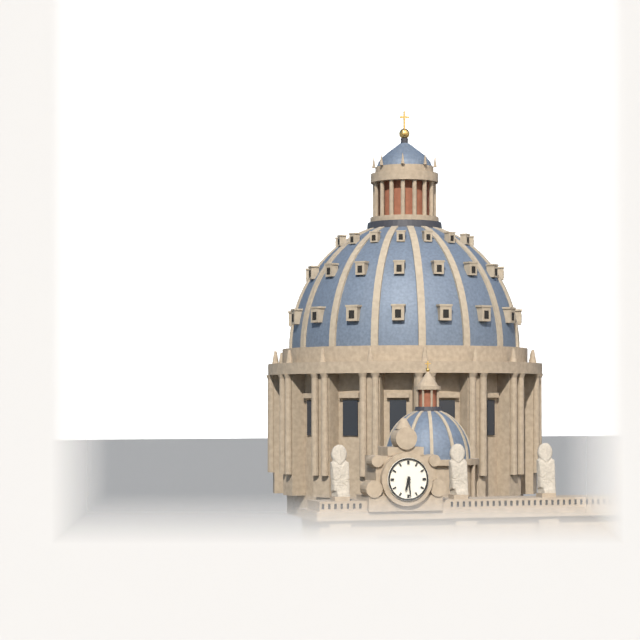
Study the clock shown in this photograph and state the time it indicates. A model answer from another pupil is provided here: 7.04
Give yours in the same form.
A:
6.29
